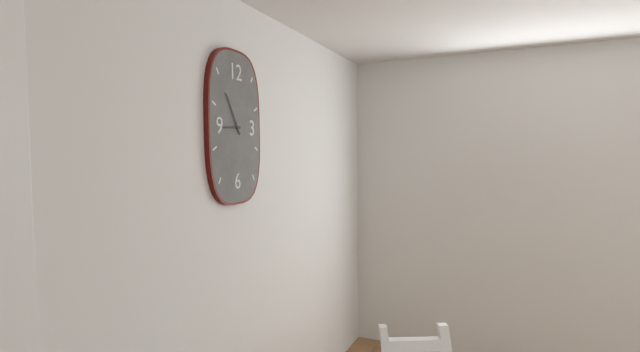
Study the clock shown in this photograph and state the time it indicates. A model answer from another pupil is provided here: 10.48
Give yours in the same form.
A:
8.55
